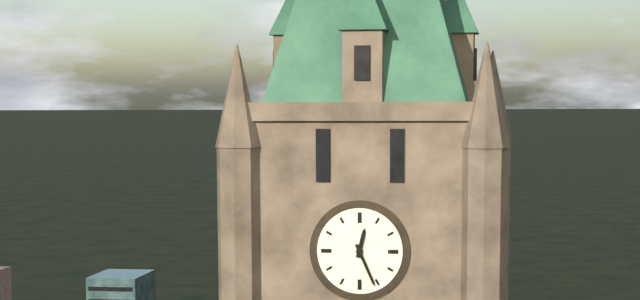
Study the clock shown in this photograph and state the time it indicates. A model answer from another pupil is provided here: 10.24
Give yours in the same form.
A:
12.26
